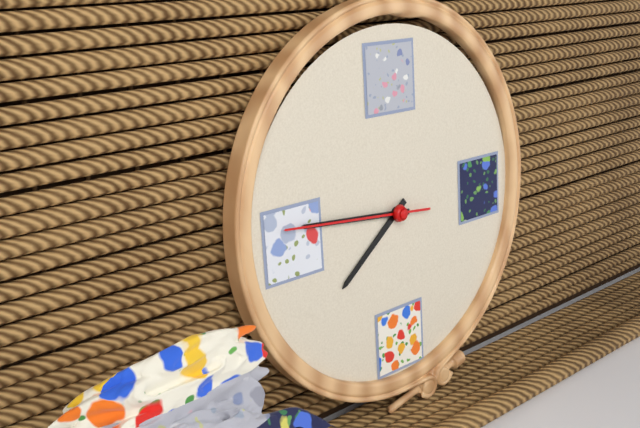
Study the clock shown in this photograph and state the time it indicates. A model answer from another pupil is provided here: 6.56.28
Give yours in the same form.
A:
7.46.46
